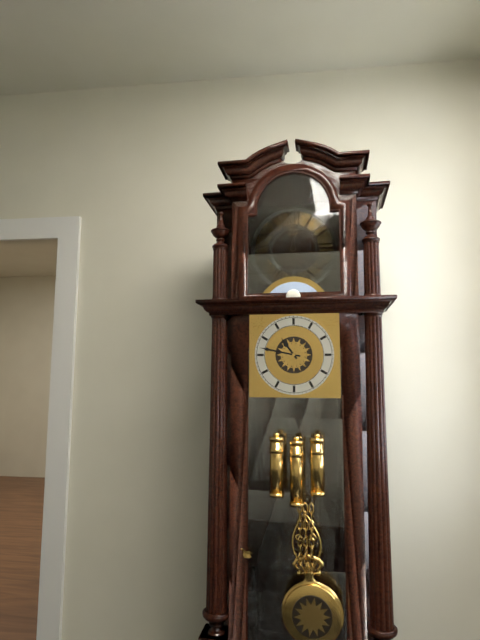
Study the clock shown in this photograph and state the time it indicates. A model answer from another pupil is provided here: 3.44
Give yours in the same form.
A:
10.47
